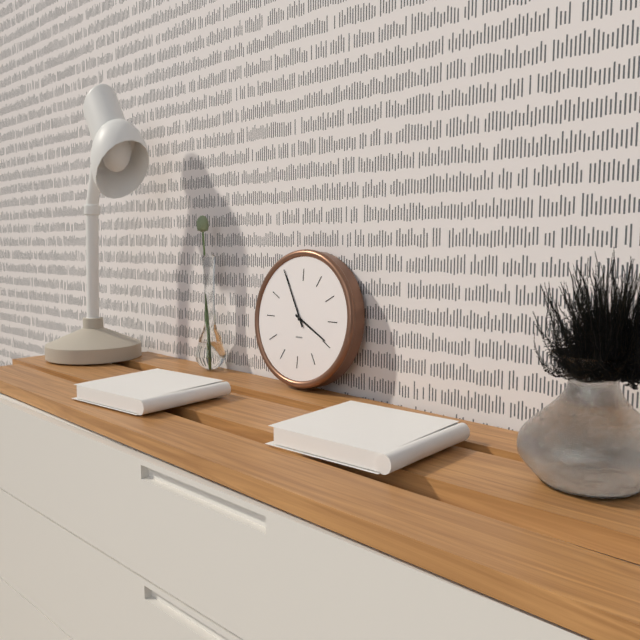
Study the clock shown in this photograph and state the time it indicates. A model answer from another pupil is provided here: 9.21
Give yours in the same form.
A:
3.55
